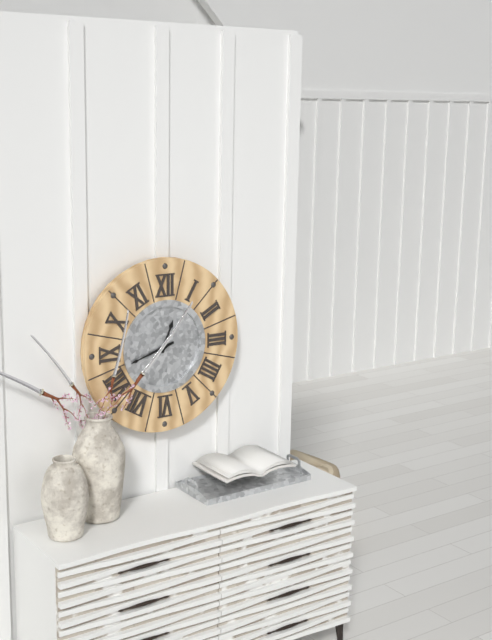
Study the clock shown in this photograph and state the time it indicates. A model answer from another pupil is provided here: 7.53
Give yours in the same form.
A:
12.42
